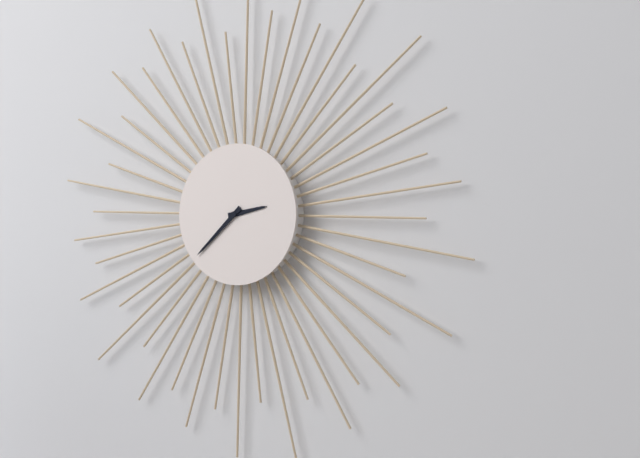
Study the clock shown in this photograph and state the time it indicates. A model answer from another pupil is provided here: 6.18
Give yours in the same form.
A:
2.38
